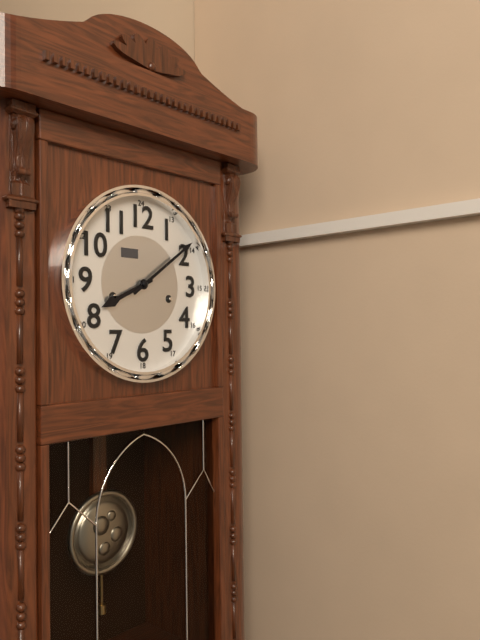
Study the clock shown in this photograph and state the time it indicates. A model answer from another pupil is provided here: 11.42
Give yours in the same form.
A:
8.09
